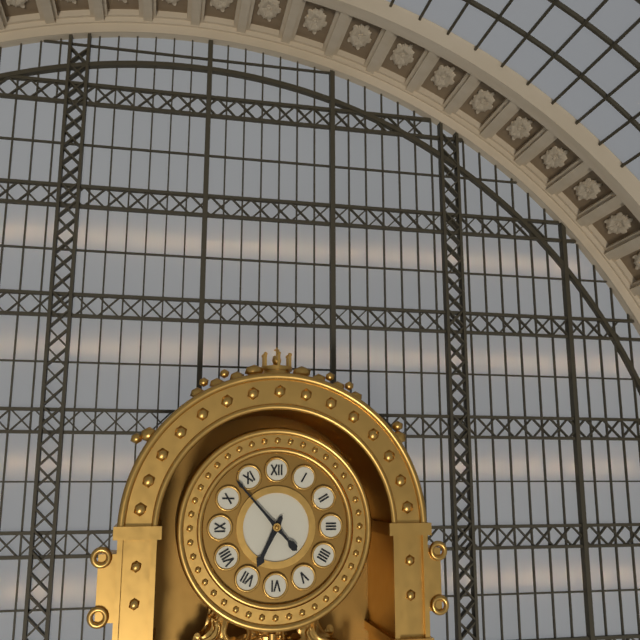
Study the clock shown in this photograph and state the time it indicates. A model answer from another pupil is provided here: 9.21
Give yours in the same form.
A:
6.53
